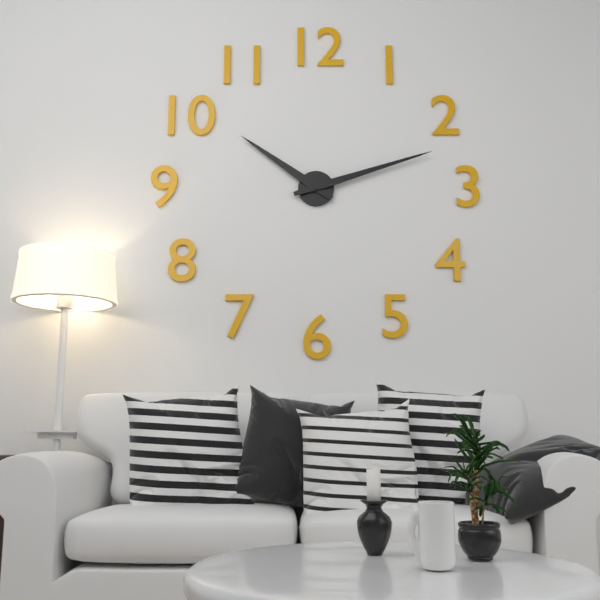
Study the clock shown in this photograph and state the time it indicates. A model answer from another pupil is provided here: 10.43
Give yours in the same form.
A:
10.12
